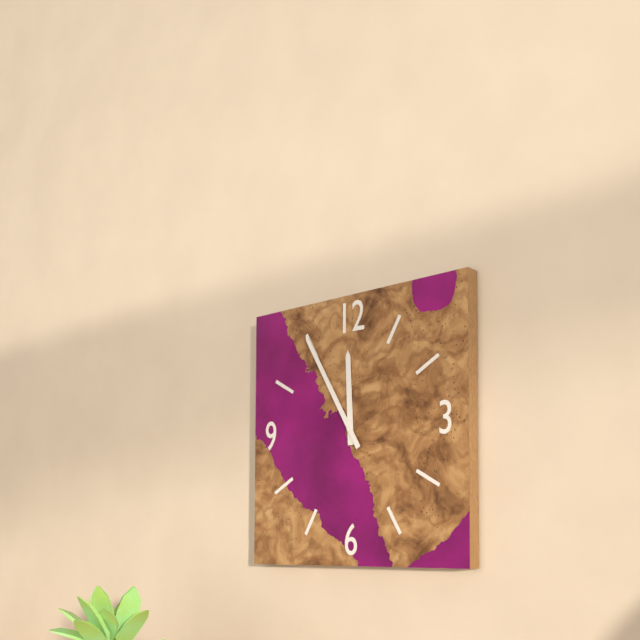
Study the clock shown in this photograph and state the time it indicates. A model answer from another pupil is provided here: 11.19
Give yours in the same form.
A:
11.55
